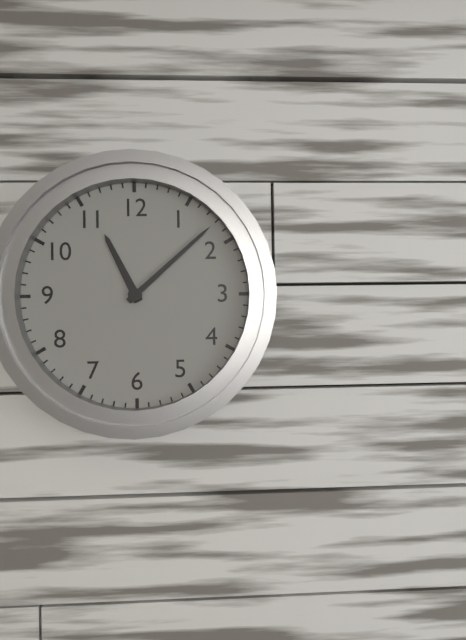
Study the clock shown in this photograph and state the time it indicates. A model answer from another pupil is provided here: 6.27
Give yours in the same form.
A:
11.08
